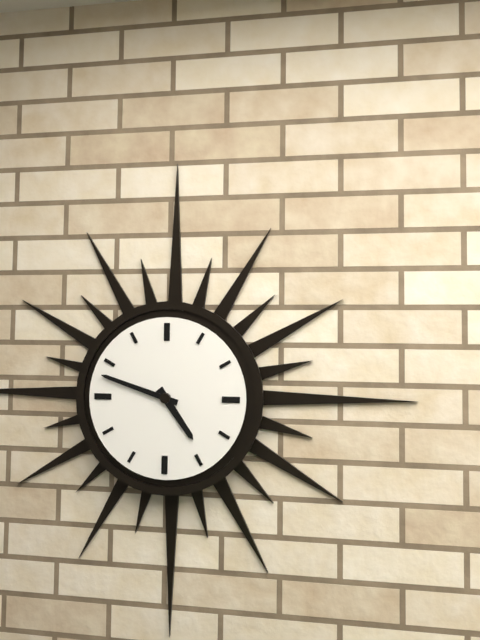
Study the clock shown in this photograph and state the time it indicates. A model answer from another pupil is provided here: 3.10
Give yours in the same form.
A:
4.48
